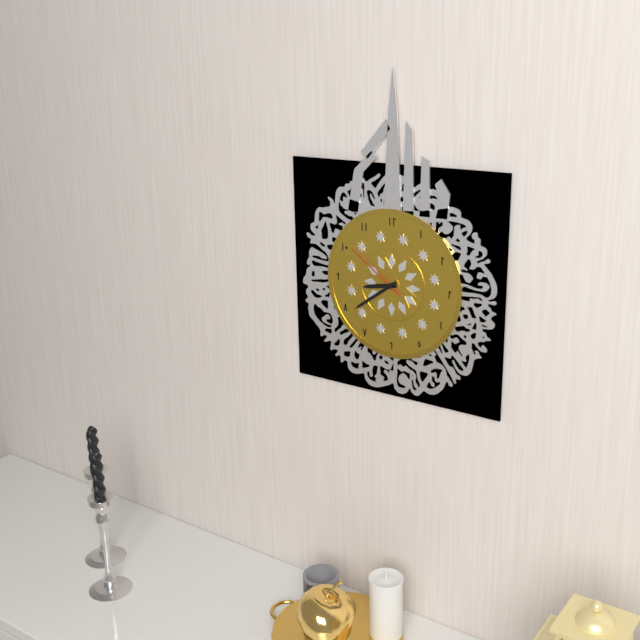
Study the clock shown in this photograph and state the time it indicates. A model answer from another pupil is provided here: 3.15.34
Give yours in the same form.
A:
8.39.51
